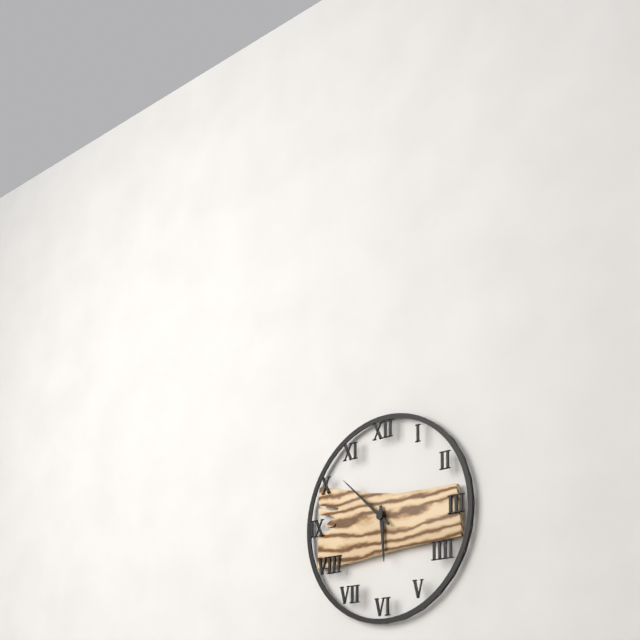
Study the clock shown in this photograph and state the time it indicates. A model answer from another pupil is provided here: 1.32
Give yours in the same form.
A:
5.52
